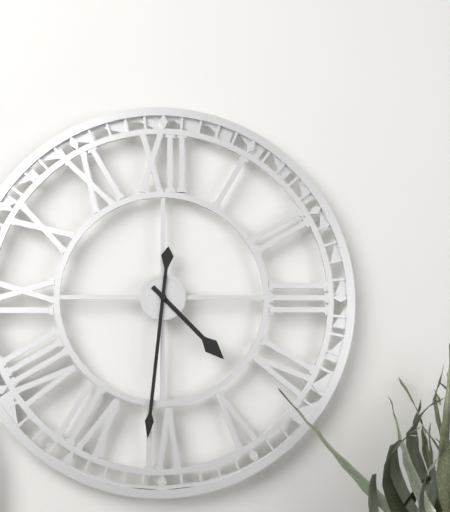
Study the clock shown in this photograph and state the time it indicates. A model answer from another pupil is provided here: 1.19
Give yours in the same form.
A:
4.31
